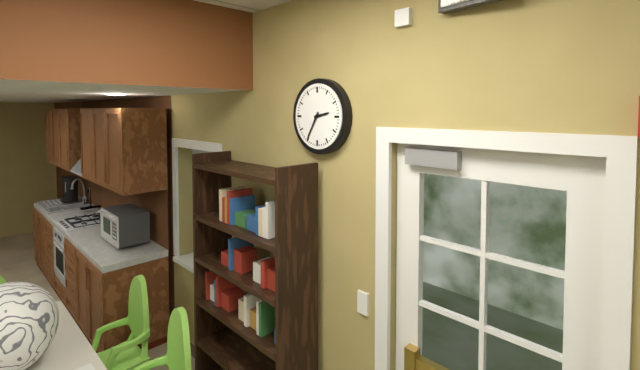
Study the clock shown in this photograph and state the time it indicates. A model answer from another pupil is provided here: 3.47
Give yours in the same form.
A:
2.35
